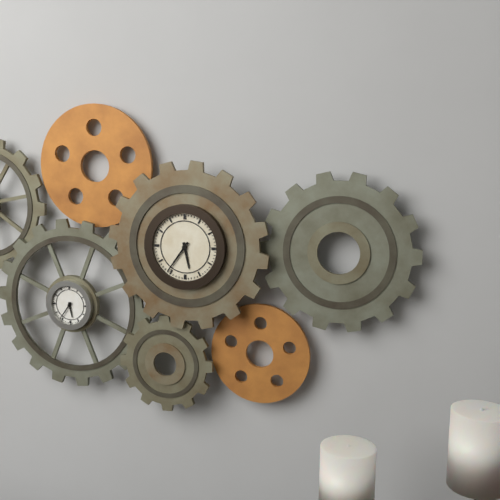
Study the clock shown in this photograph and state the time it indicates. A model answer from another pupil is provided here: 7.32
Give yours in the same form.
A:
5.36
